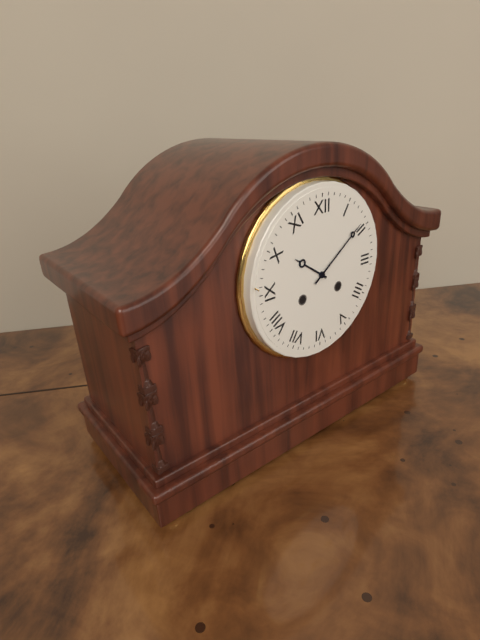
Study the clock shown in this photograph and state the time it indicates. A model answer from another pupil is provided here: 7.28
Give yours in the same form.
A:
10.09
